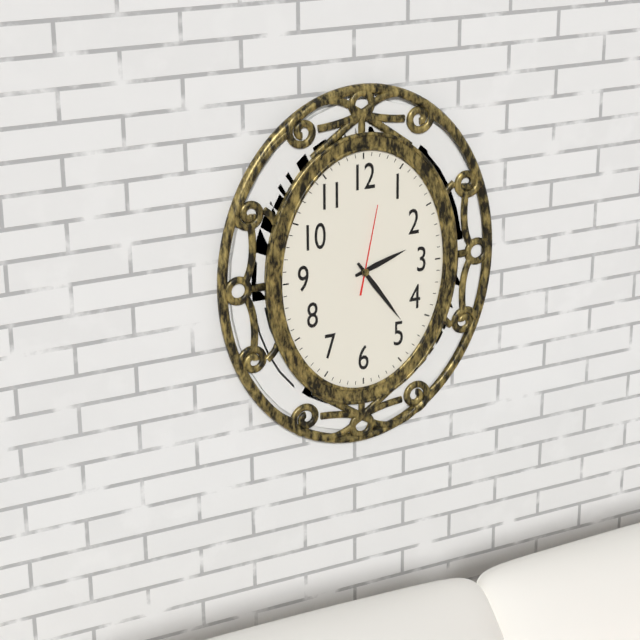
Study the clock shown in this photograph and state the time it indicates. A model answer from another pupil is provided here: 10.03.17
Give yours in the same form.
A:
2.24.02
